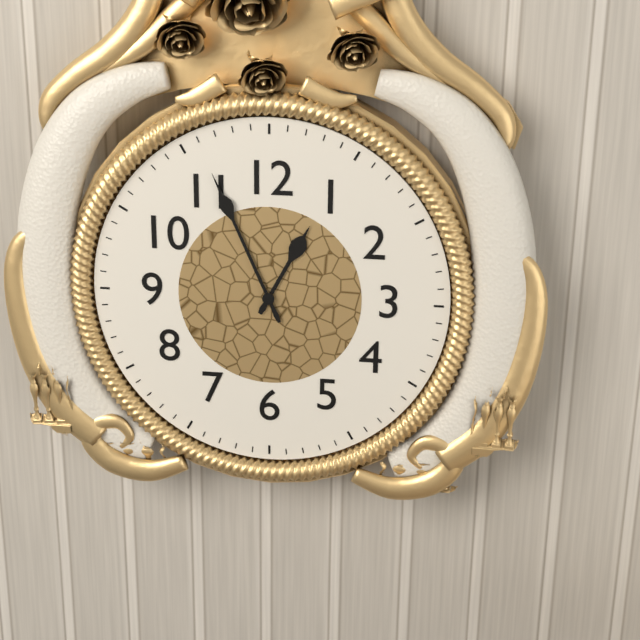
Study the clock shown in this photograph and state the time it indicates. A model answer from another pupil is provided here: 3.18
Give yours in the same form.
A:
12.56
